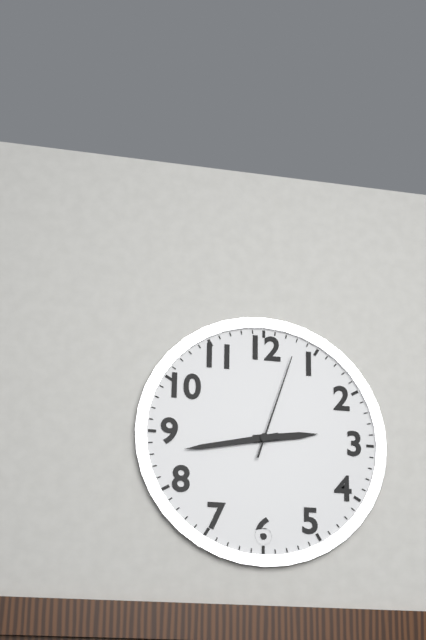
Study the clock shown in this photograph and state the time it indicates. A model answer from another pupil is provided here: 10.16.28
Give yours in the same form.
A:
2.43.03
